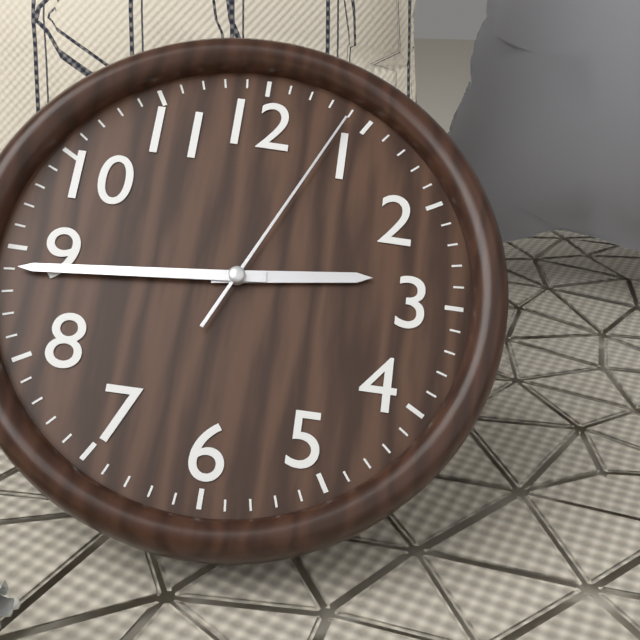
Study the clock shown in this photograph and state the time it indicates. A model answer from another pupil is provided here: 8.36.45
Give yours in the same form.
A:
2.44.04
